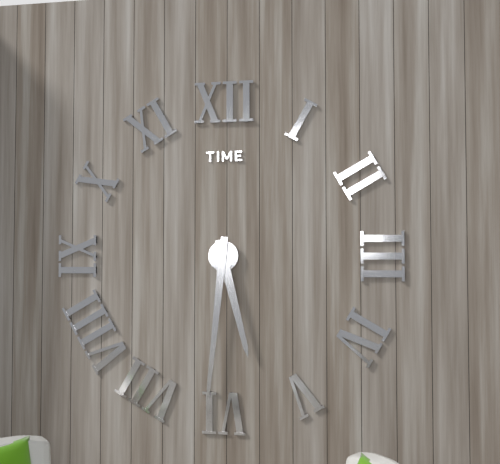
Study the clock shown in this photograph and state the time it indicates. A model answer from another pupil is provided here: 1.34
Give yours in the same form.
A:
5.31
